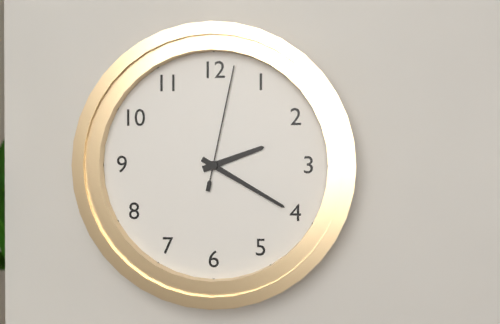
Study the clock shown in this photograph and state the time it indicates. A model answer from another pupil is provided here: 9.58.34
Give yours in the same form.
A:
2.20.02
